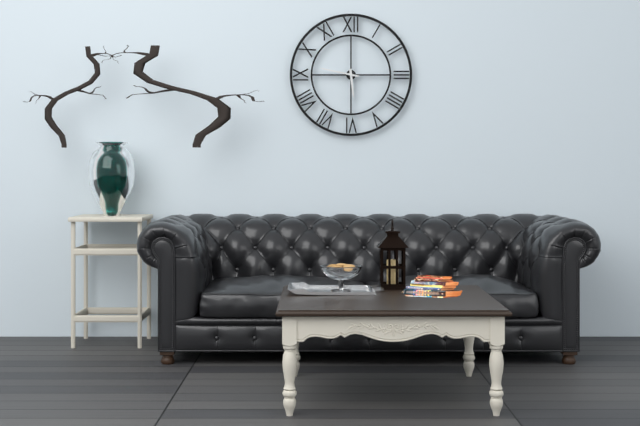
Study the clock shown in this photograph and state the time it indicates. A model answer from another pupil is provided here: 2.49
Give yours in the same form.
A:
5.47
